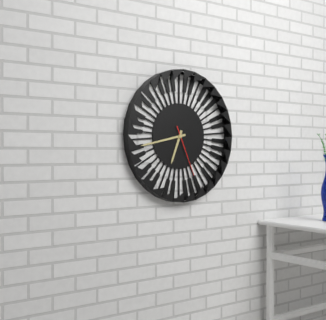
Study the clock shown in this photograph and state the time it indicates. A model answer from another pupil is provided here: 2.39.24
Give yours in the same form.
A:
6.43.26
